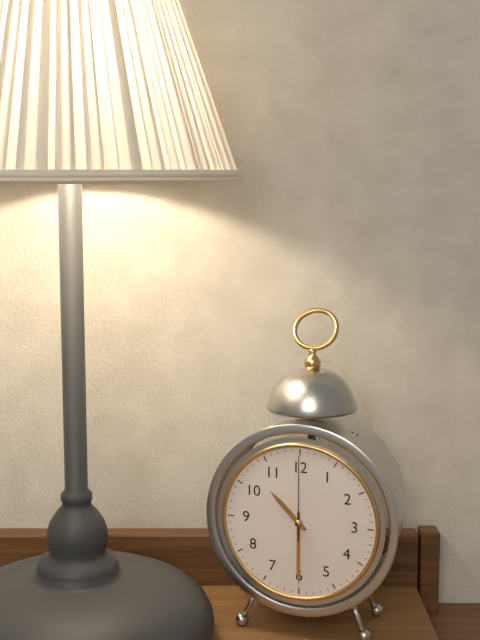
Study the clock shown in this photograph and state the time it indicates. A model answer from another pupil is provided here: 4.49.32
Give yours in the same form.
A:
10.30.00
